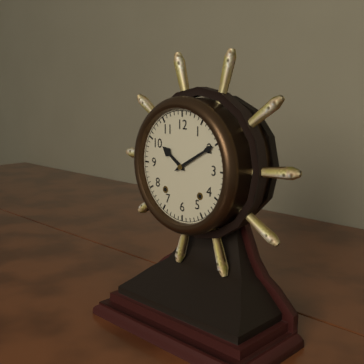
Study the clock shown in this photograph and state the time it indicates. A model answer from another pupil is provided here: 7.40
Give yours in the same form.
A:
10.10
